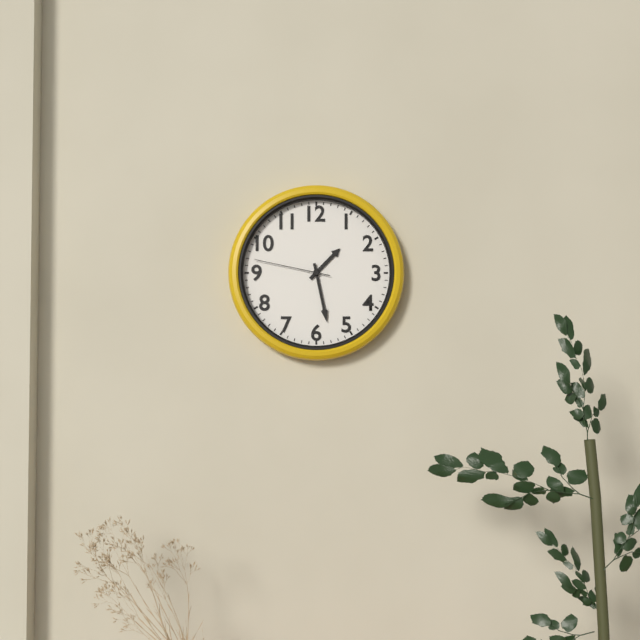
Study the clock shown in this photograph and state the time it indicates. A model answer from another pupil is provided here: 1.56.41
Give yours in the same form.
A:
1.28.47
